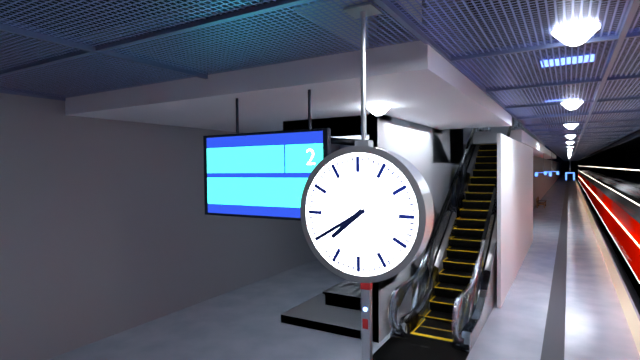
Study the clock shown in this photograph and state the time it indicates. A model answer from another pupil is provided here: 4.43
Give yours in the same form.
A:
7.40
